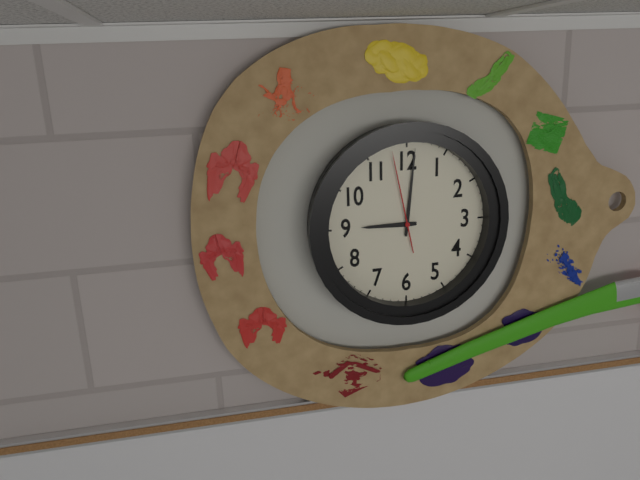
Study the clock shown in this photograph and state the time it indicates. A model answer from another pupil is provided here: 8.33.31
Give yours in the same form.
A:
9.01.58
